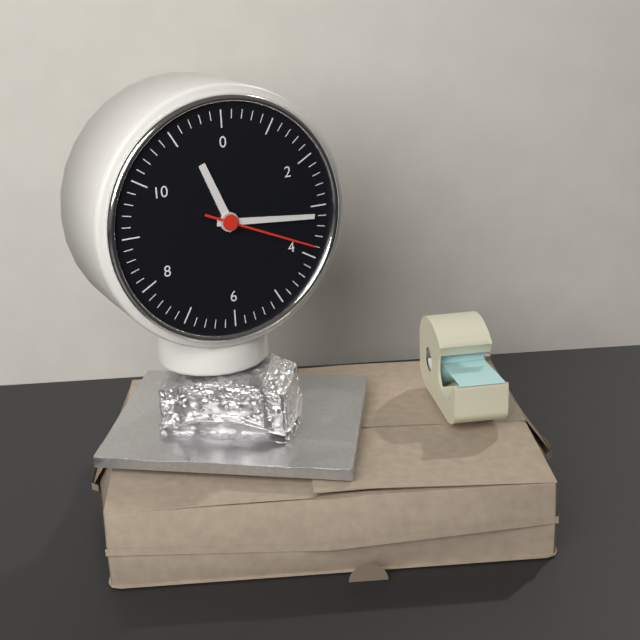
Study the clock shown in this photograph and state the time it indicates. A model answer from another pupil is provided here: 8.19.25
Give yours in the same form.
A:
11.16.19
